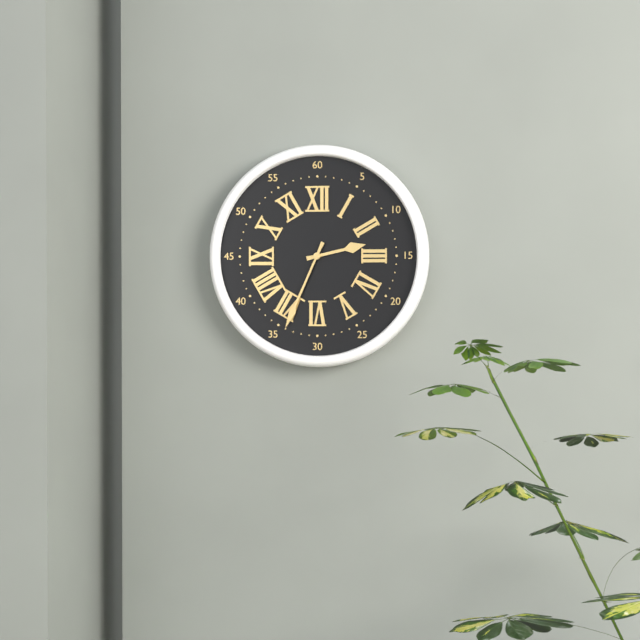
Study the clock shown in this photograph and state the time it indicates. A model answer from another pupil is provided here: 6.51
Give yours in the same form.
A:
2.34
